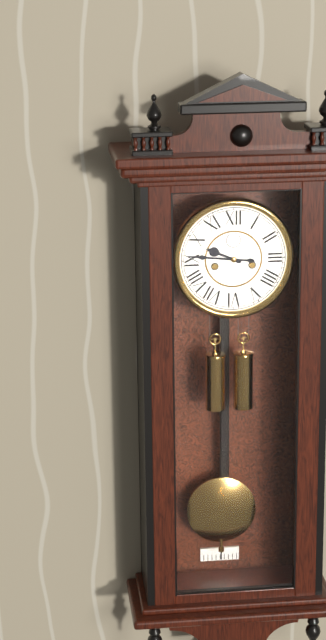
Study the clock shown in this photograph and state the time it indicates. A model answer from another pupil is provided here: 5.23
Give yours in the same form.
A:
9.46
